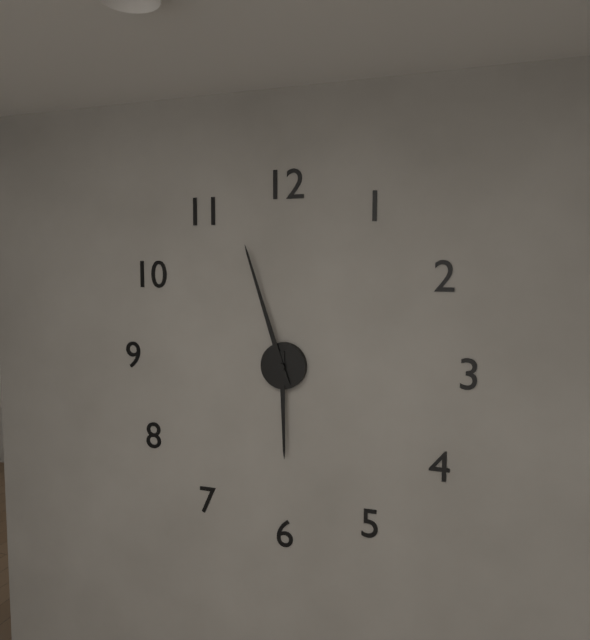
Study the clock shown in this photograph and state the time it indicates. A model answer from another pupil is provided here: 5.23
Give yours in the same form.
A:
5.57
